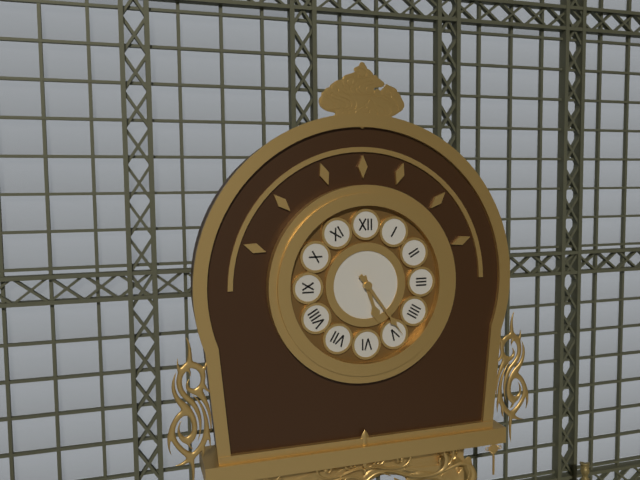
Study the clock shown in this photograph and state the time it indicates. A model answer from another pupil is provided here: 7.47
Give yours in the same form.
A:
5.24
